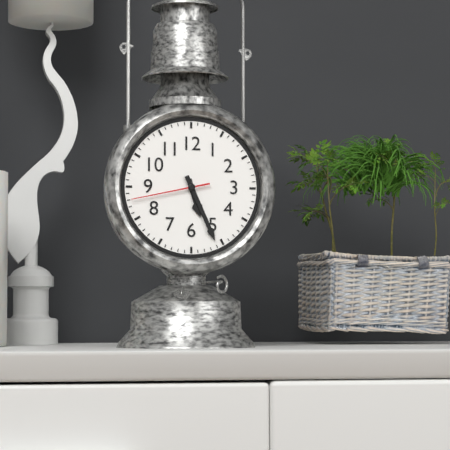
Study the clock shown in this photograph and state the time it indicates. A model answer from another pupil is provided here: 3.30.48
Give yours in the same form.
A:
5.26.43
